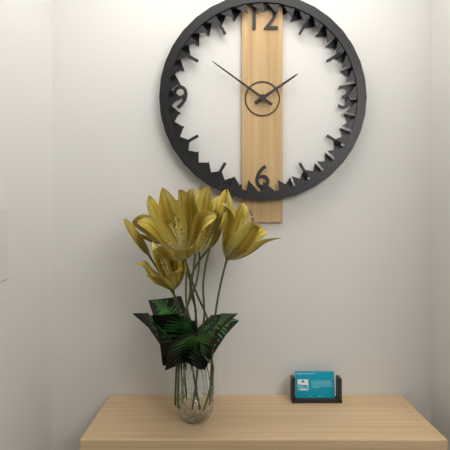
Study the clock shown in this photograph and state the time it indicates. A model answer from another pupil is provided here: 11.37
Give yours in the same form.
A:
1.51
